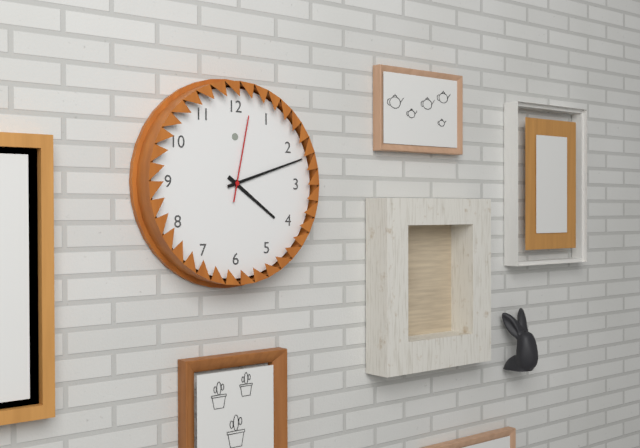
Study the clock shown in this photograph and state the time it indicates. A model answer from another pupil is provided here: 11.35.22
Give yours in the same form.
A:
4.12.02
